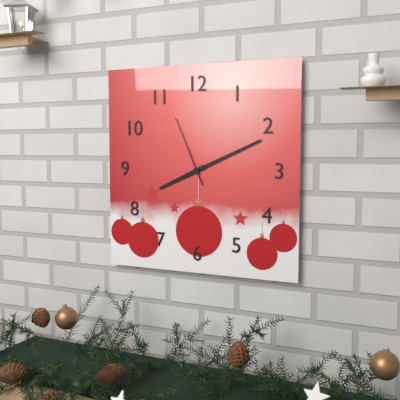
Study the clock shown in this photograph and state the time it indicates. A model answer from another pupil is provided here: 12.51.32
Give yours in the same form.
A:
8.11.56
